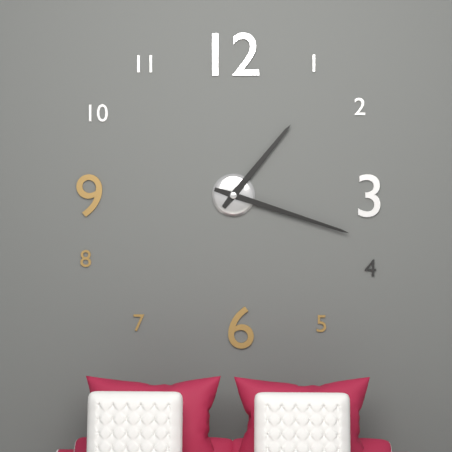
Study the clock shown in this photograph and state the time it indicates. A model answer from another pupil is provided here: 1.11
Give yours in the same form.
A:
1.18
